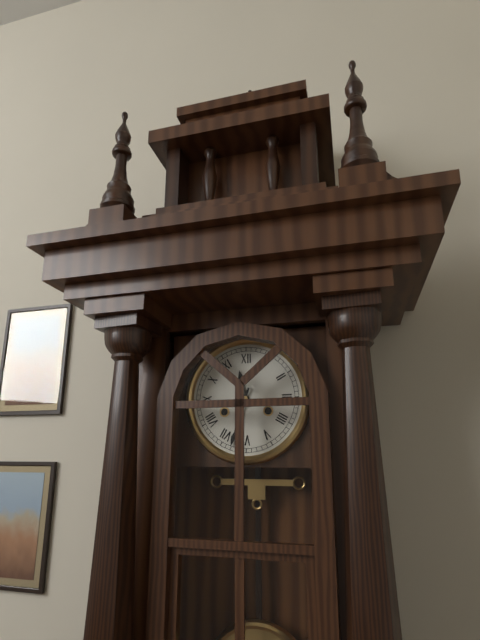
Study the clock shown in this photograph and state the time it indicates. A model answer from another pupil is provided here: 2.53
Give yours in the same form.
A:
11.33
